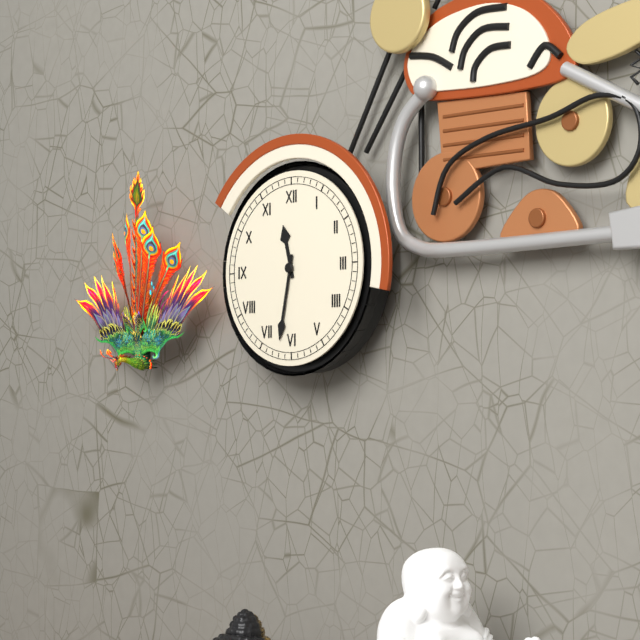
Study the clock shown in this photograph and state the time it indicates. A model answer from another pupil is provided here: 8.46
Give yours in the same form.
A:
11.32
